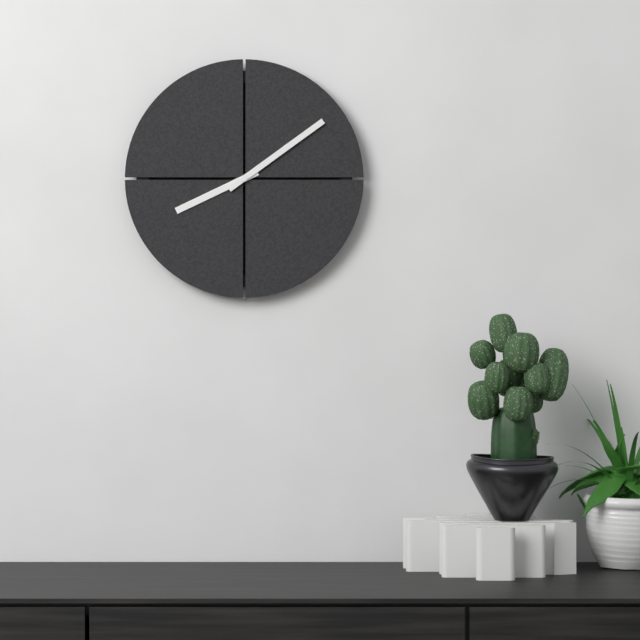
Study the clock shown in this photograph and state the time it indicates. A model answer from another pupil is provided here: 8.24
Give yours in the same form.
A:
8.09
